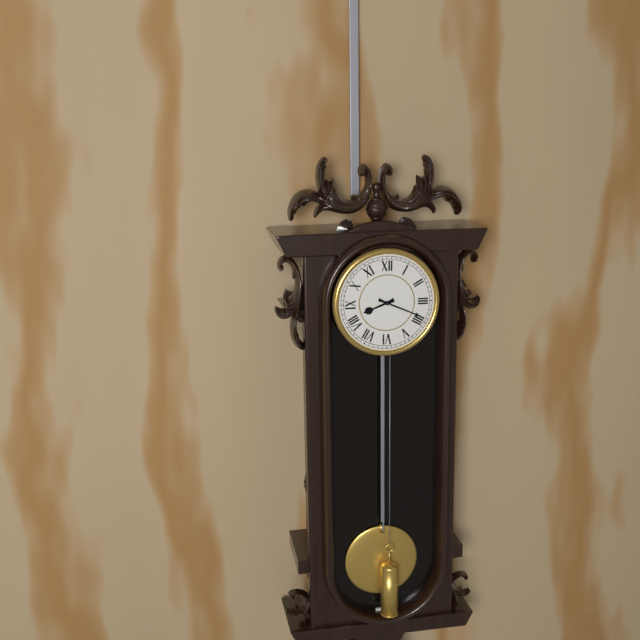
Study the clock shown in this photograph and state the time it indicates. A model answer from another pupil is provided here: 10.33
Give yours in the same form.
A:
8.19
